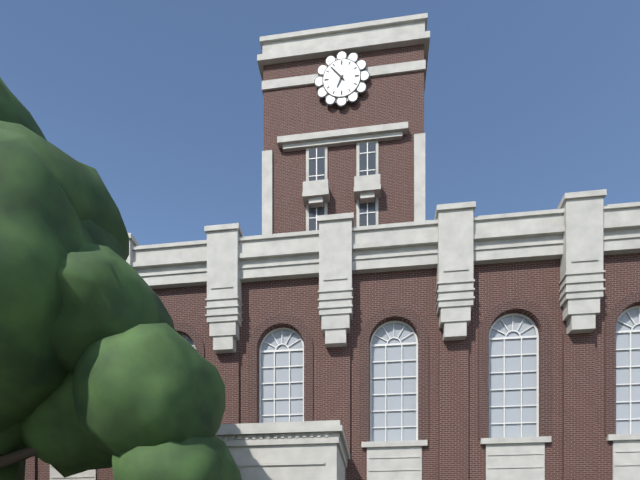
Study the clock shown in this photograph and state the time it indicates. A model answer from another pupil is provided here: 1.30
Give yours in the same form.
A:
6.53
